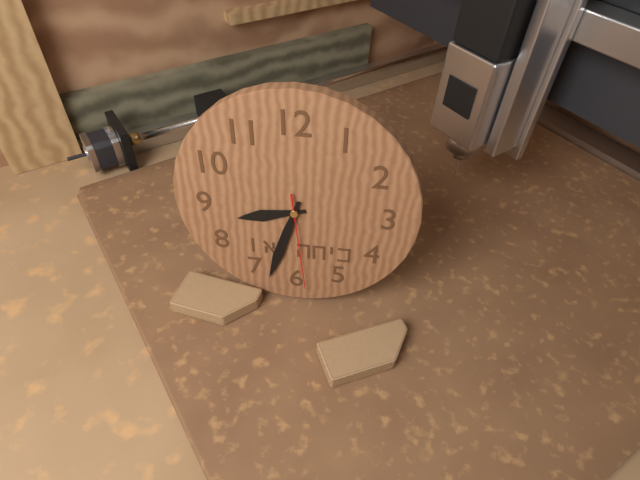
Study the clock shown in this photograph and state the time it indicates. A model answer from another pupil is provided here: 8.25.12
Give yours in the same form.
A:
8.33.29
